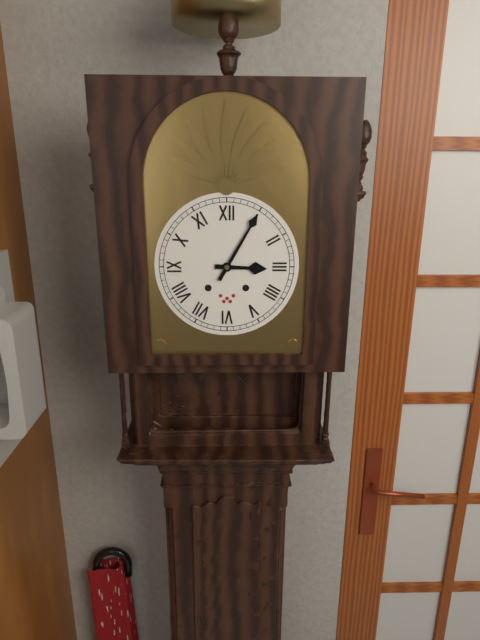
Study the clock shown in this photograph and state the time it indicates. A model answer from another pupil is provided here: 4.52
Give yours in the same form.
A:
3.05
